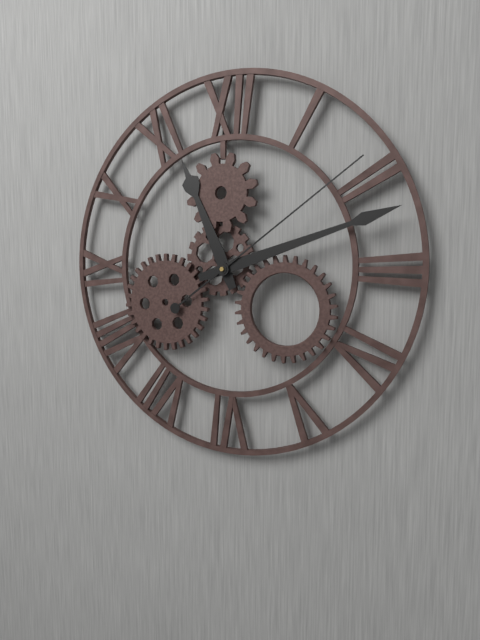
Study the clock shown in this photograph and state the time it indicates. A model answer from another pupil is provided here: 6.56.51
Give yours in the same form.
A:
11.12.09
